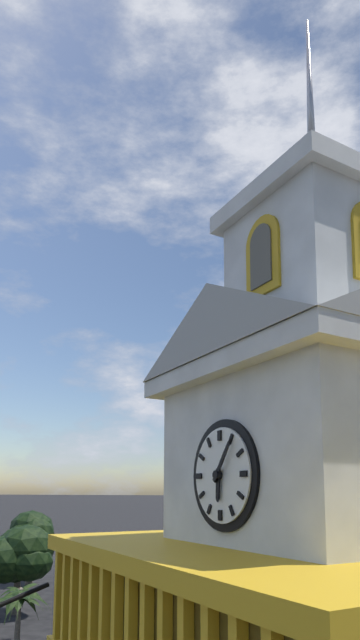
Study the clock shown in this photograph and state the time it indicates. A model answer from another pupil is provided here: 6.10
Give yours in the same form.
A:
6.06
